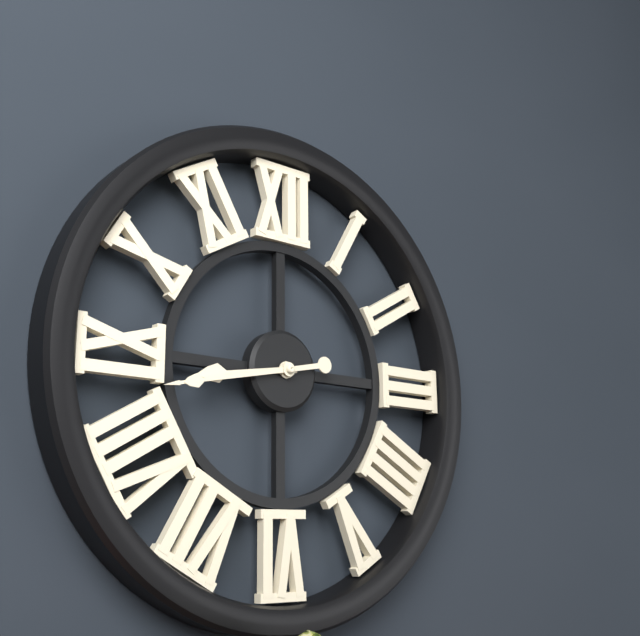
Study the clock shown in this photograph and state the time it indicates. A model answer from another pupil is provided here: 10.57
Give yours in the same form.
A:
8.43
